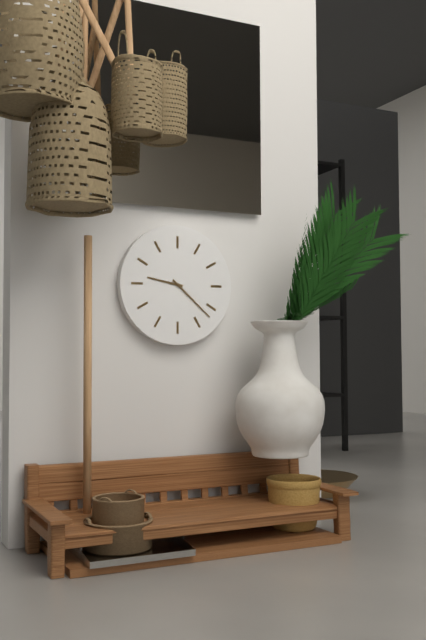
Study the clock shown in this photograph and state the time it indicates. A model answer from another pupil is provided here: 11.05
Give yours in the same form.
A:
9.22
